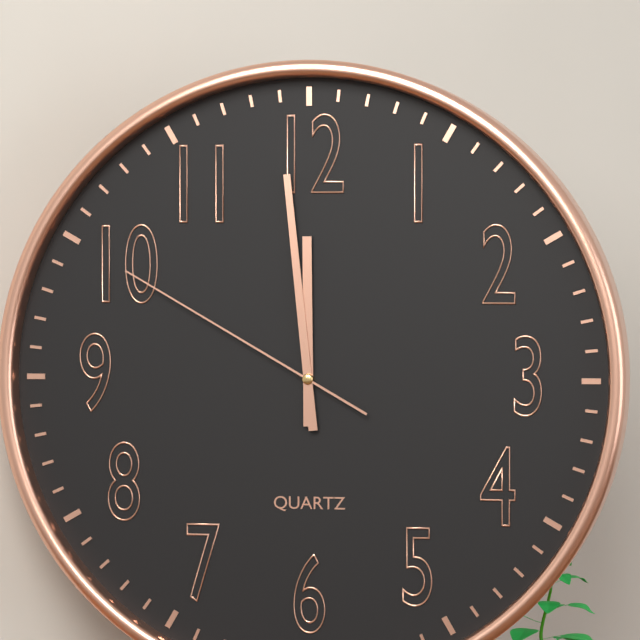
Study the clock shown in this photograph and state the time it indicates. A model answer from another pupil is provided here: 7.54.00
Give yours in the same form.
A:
11.59.50
